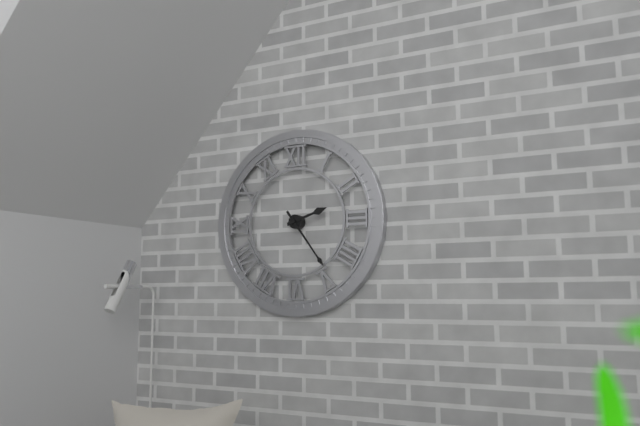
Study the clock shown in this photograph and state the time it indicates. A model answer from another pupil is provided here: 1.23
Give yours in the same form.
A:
2.24
